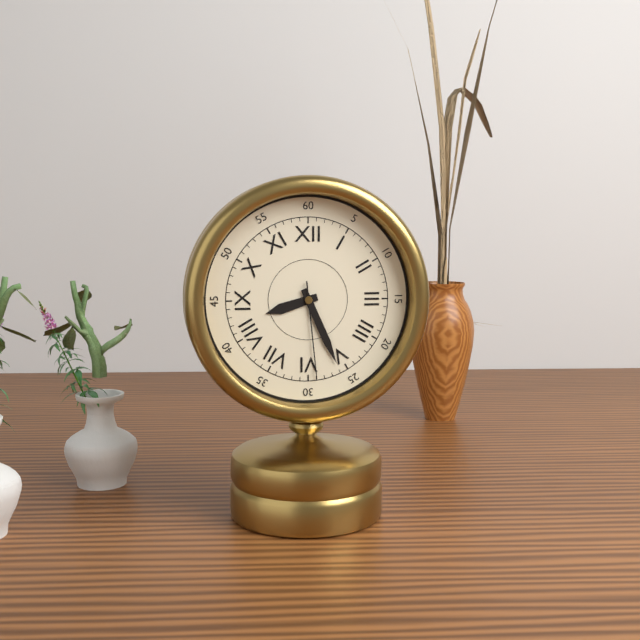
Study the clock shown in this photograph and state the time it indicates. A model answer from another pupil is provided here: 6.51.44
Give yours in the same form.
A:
8.26.29
